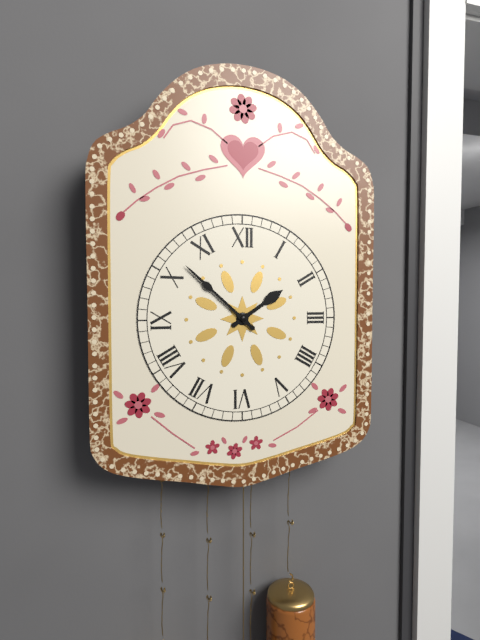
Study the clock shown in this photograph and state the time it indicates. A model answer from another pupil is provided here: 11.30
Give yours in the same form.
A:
1.52
